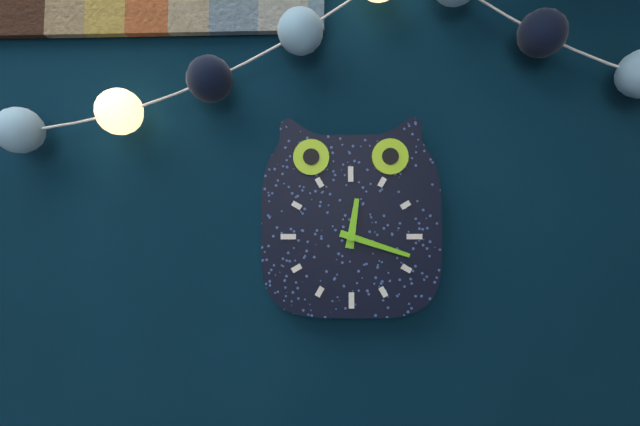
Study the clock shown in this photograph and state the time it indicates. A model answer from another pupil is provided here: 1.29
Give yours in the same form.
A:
12.18
